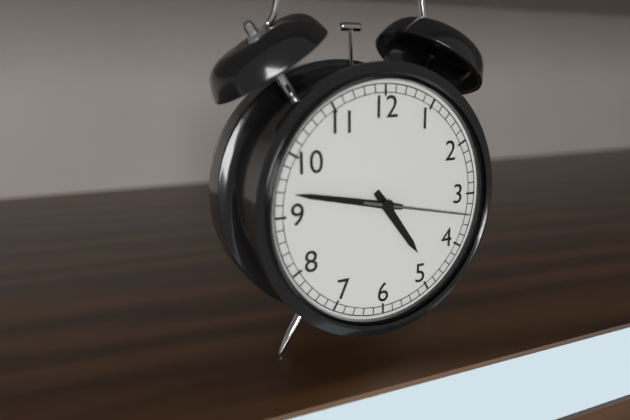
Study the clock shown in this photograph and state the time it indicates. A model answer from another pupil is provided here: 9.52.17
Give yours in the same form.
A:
4.47.17
